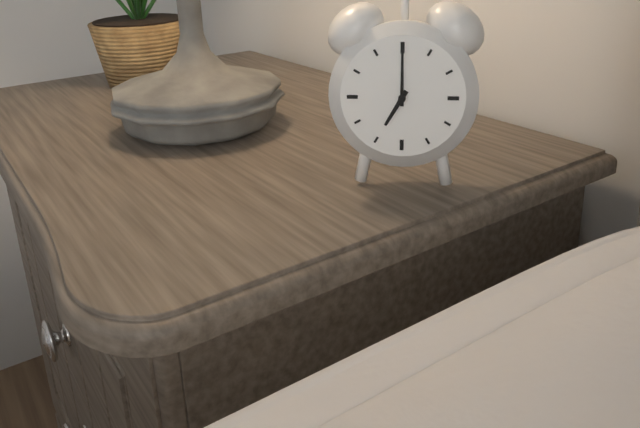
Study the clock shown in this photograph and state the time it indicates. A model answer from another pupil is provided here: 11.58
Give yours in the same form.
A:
7.00
